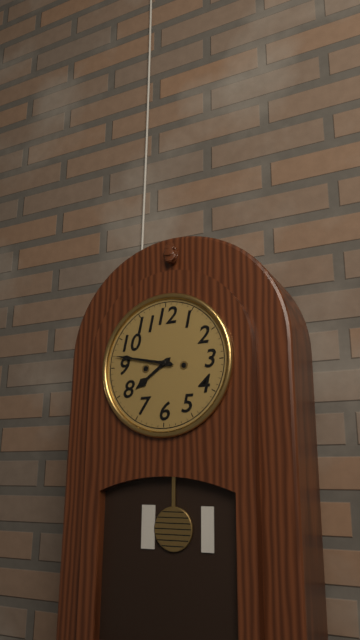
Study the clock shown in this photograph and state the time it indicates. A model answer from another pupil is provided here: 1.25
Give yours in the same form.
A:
7.47
